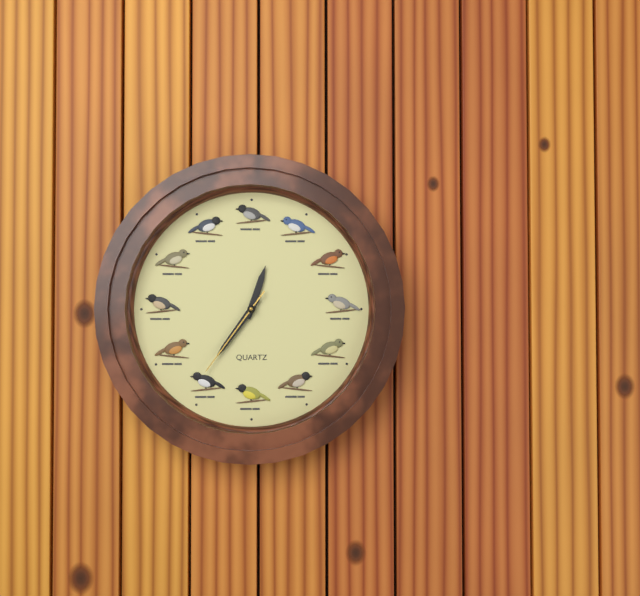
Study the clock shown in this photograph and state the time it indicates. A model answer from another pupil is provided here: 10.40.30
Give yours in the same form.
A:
12.36.36
